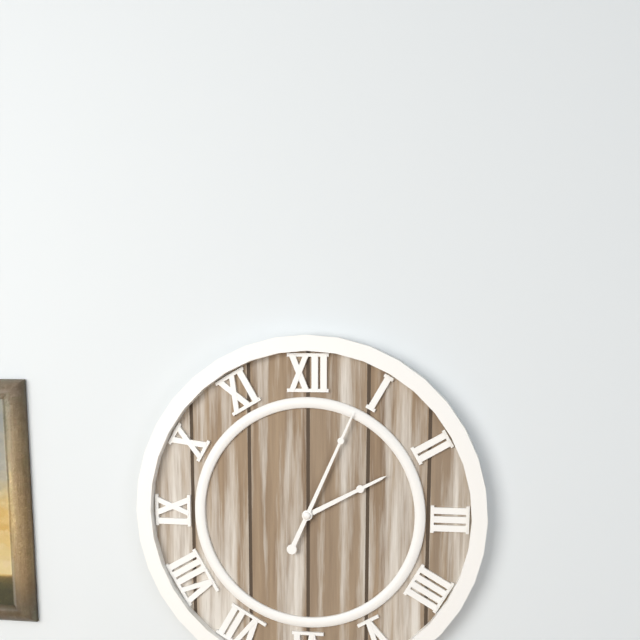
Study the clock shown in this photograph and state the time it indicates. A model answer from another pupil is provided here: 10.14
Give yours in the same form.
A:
2.04
